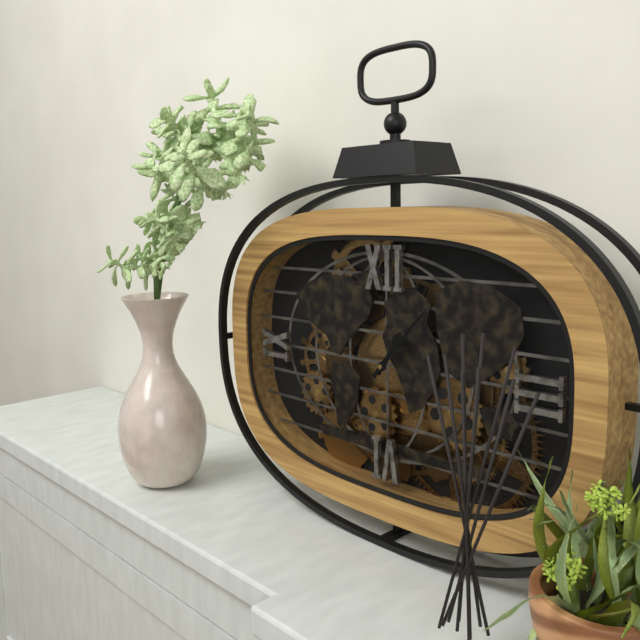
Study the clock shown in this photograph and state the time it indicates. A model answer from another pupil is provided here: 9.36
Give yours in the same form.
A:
1.07
